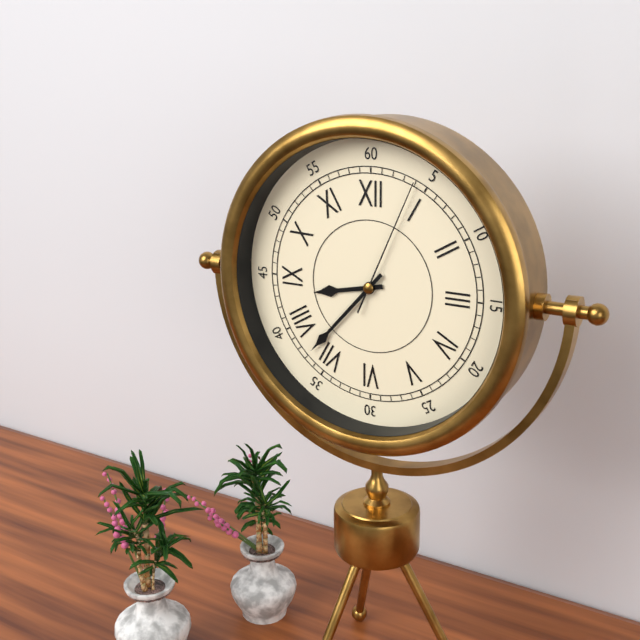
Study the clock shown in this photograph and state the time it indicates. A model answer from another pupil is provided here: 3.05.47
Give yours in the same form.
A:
8.37.04
